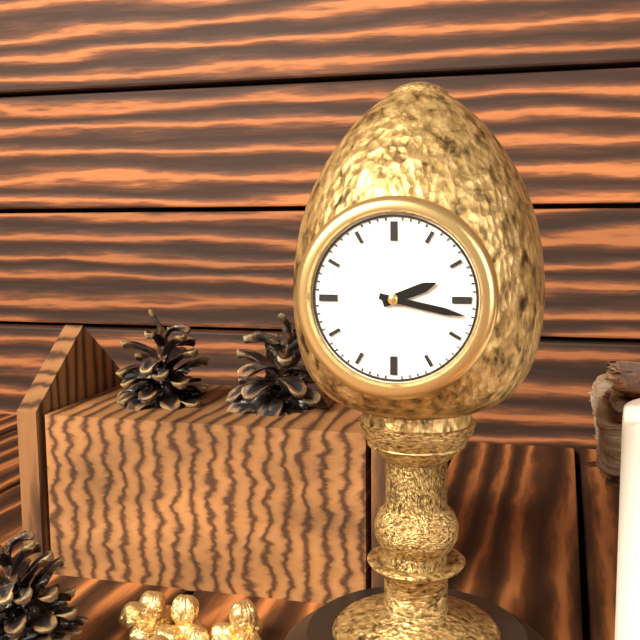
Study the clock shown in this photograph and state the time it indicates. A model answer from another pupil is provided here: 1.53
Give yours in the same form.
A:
2.17
